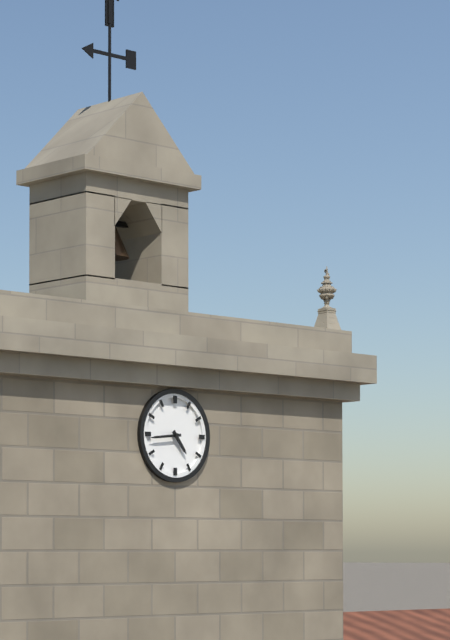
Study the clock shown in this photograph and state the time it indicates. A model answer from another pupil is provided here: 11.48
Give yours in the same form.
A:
4.44
